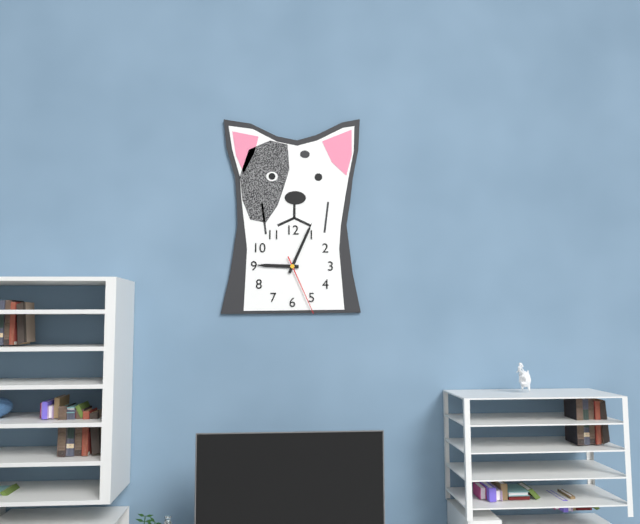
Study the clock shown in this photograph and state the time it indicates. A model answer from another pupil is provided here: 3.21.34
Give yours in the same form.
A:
9.04.26
